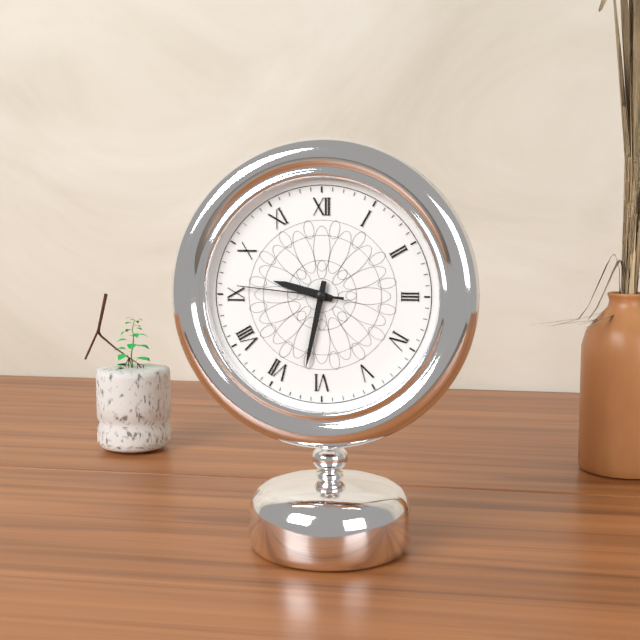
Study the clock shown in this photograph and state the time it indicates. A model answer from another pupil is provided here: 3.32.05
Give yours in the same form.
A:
9.32.46
